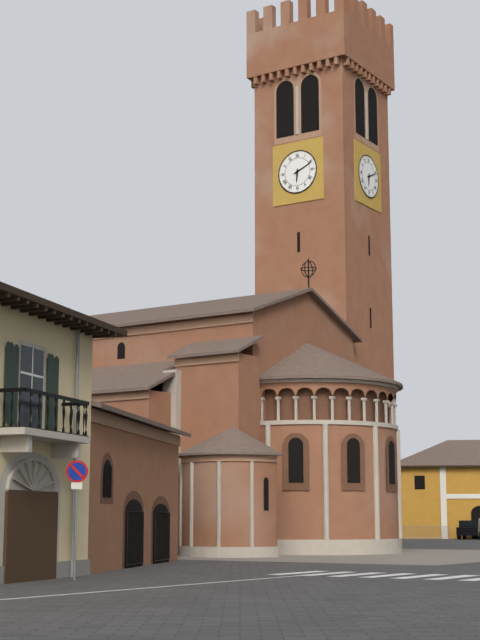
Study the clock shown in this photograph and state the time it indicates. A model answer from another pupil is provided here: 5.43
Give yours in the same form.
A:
6.11
